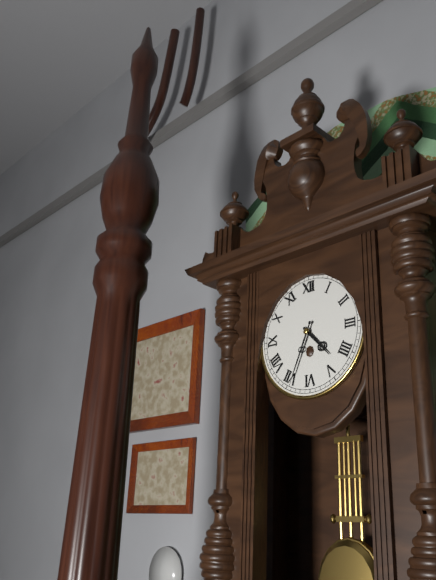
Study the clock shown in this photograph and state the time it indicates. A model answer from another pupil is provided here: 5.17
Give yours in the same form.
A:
4.34
